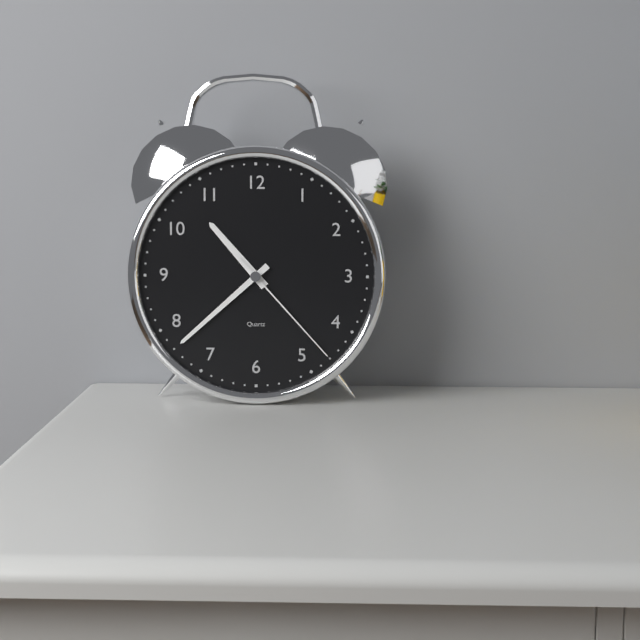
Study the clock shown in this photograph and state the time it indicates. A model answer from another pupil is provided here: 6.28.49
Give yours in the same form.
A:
10.38.23
